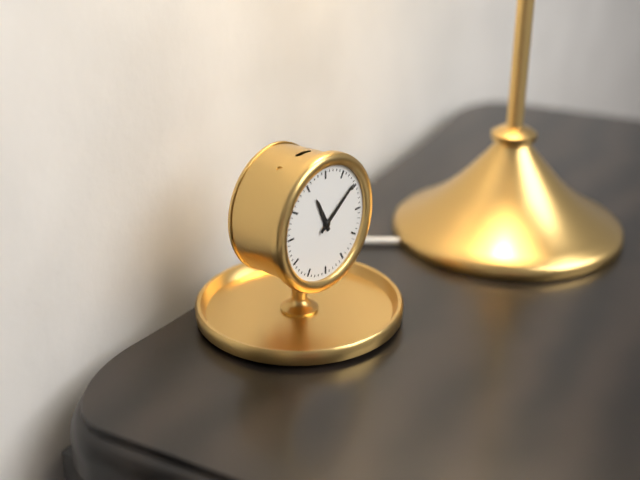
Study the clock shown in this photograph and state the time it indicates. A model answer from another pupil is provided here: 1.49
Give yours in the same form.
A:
11.09
